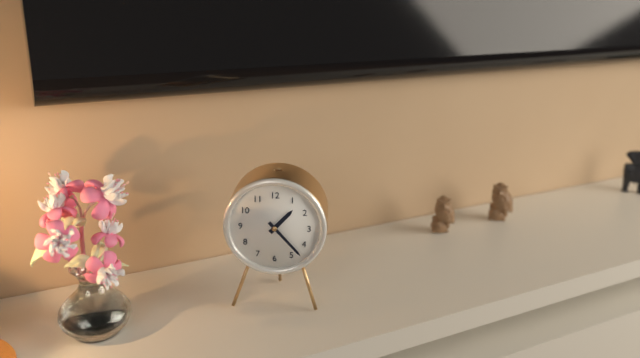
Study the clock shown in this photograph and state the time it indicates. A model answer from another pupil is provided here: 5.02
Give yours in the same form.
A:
1.23
